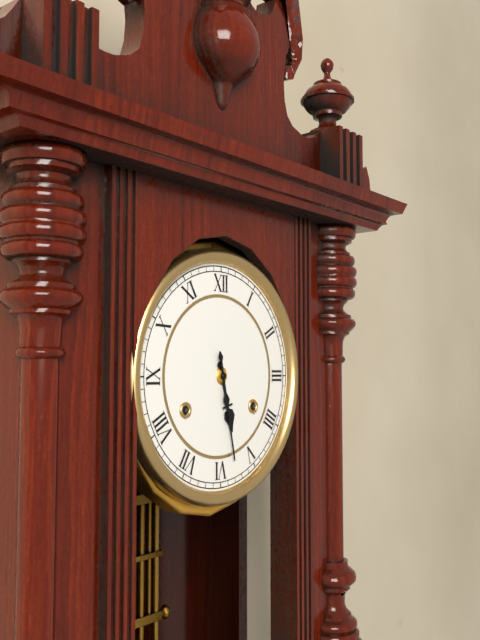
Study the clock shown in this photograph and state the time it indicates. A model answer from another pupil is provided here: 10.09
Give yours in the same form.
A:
5.28
